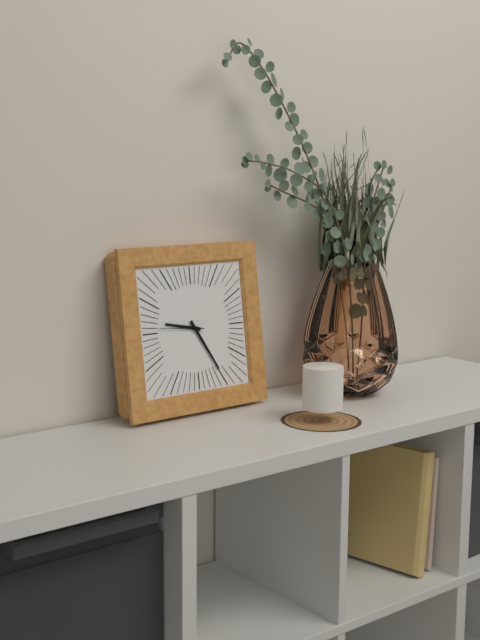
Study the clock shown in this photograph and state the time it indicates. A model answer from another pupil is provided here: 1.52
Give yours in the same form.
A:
9.25
